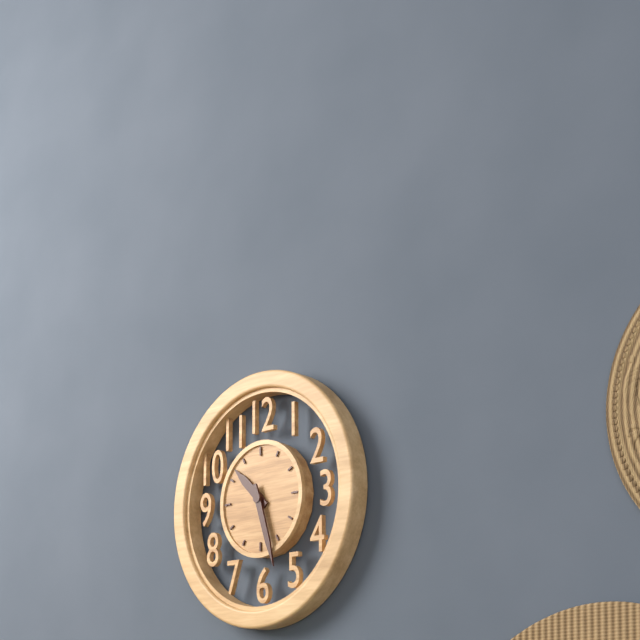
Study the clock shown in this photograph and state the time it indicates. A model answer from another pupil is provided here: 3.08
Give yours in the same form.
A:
10.27
